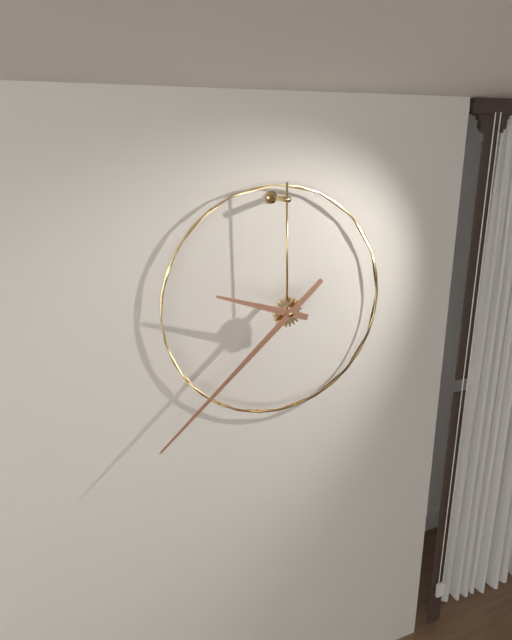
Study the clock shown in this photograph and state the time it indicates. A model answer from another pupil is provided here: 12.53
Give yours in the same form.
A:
9.38
